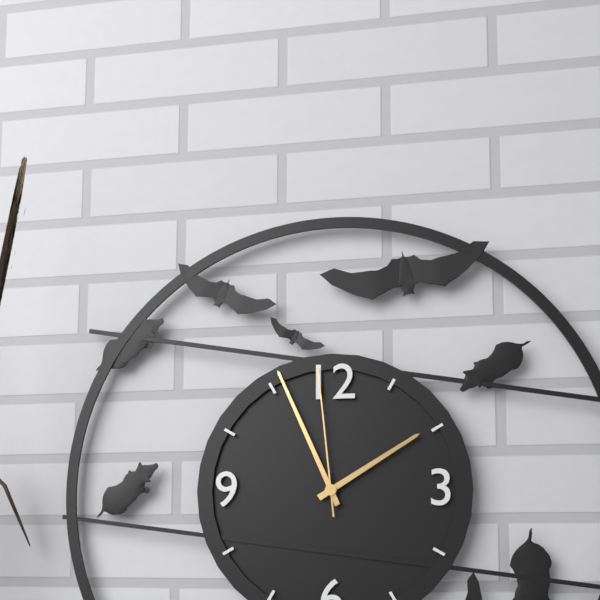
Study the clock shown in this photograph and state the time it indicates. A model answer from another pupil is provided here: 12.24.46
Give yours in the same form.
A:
1.56.59
